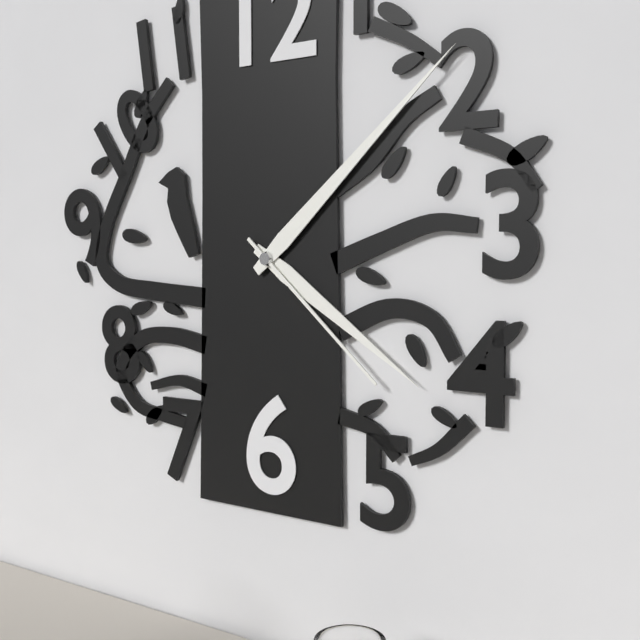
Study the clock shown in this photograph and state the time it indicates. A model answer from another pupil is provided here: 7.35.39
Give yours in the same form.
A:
4.08.22
